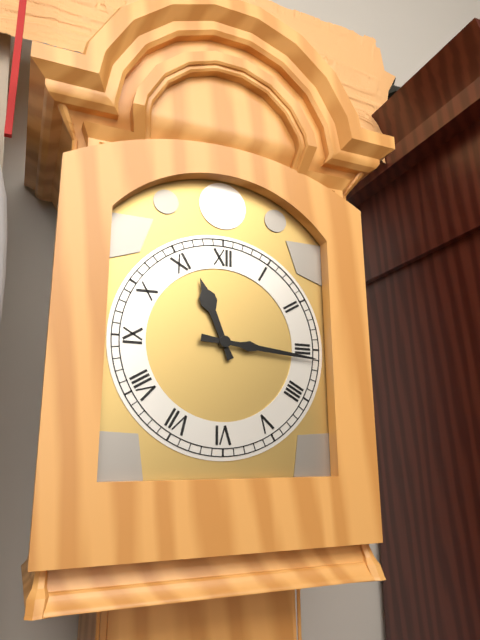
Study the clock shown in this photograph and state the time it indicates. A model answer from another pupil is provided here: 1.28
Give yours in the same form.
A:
11.16
